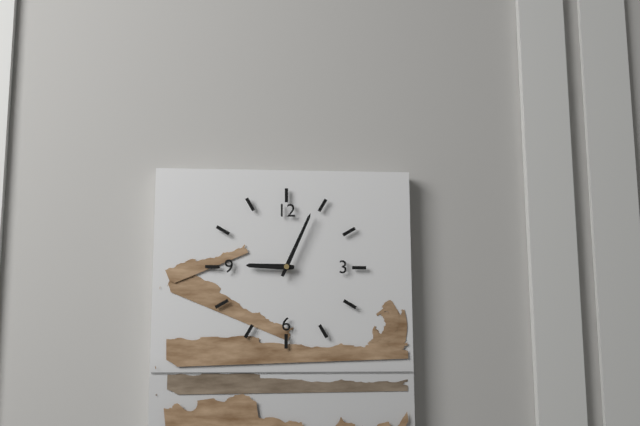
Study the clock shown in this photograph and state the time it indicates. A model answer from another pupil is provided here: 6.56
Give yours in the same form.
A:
9.04
